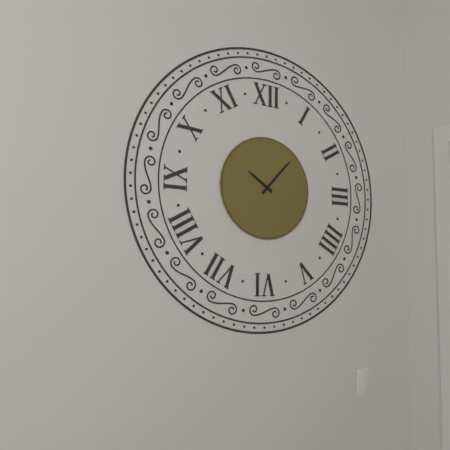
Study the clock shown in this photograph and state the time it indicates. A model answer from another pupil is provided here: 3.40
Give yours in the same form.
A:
10.07
